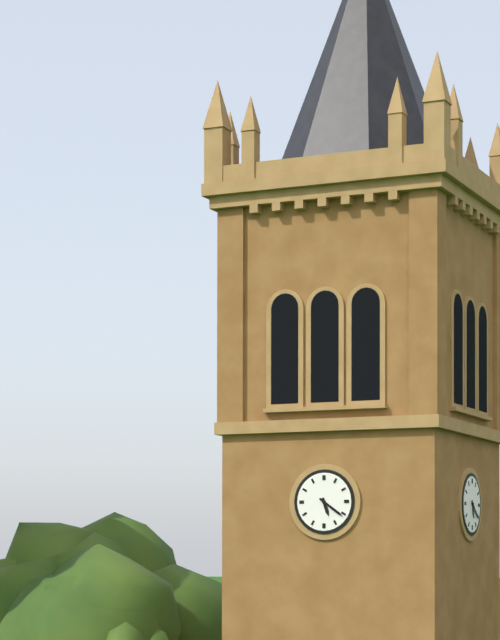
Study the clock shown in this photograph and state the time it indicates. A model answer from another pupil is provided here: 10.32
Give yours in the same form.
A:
5.21
